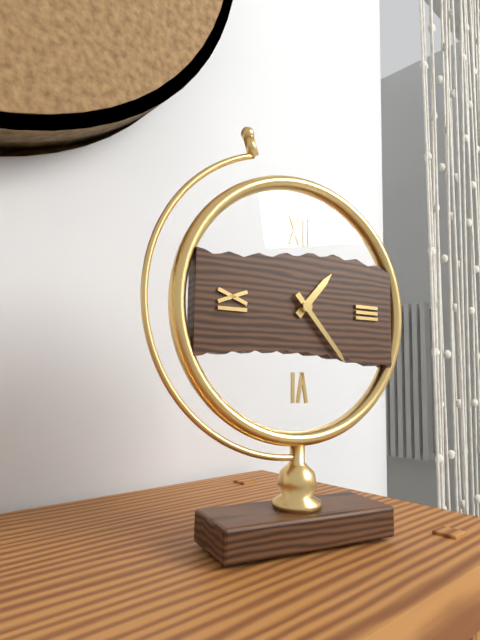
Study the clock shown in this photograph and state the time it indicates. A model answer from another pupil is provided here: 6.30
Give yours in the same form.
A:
1.23
